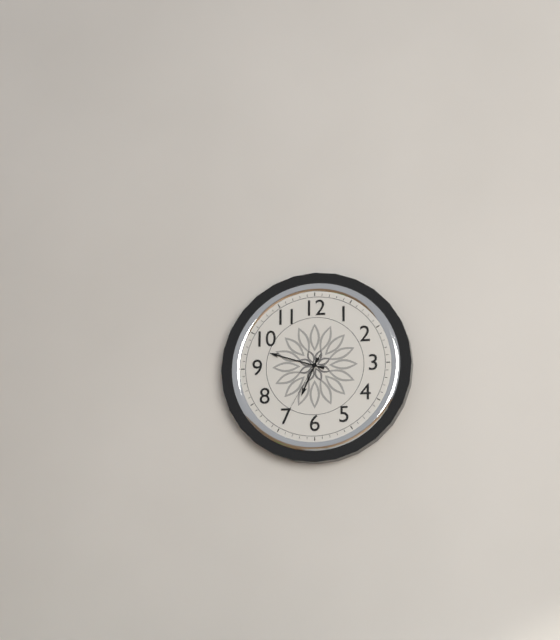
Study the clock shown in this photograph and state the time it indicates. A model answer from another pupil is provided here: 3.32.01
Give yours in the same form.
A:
6.48.35
